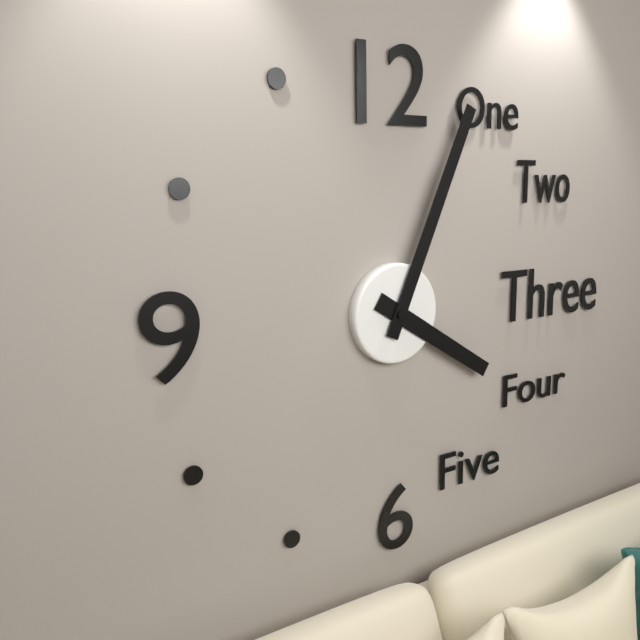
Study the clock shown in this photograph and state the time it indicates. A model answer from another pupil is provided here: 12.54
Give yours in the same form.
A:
4.04
